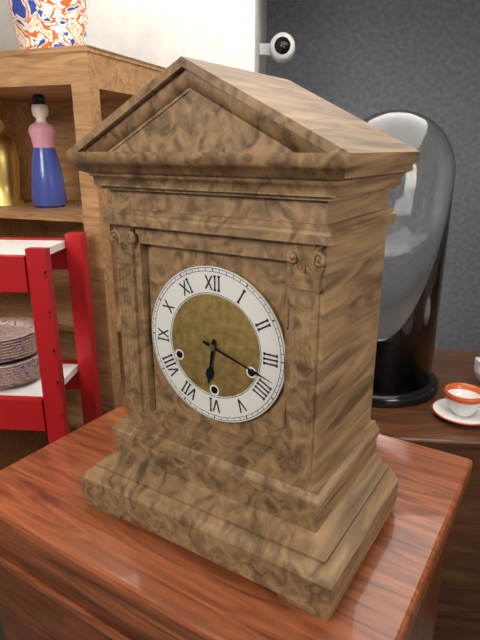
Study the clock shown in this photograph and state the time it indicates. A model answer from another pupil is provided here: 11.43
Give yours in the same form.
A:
6.18
